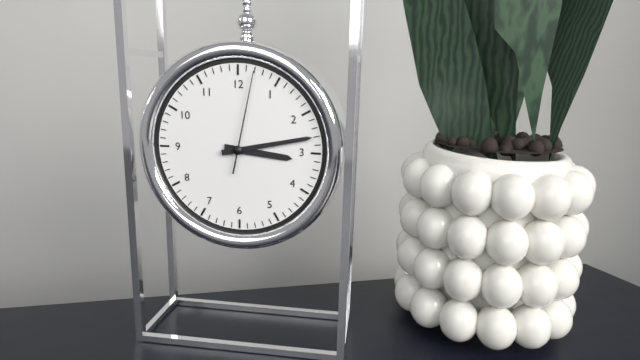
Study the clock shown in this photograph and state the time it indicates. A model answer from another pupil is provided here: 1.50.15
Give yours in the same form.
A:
3.13.02
